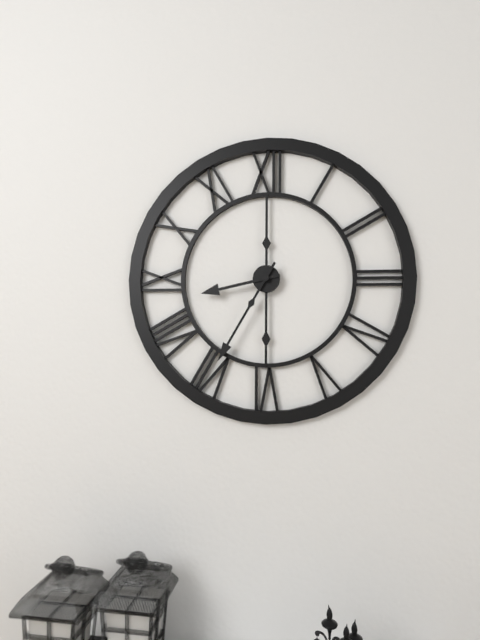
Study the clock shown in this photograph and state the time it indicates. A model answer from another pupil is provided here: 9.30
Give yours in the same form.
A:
8.35
